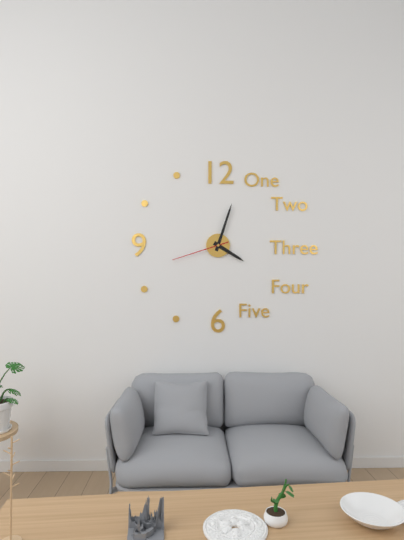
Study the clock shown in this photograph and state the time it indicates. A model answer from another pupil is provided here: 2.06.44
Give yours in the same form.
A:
4.03.42
